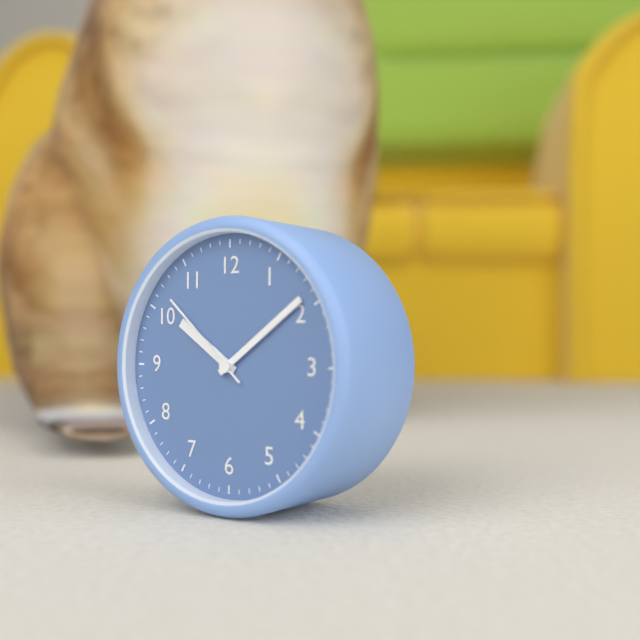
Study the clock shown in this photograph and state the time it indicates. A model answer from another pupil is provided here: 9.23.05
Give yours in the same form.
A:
10.09.52
